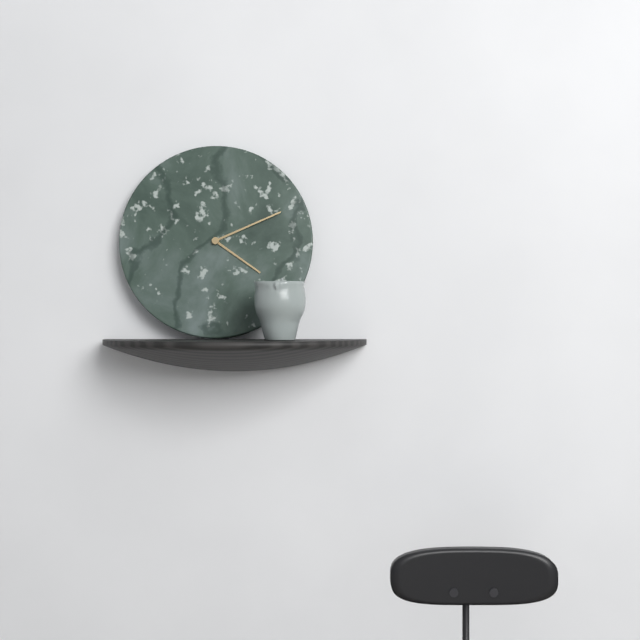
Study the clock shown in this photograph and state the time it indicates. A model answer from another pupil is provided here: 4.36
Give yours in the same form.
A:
4.11
